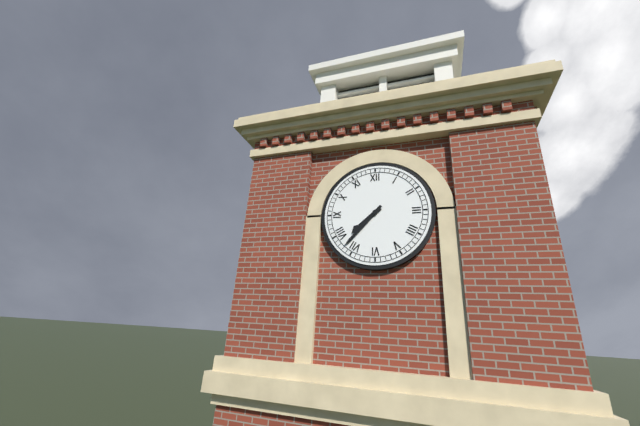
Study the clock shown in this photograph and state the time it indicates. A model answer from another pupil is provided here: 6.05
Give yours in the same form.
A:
7.37
